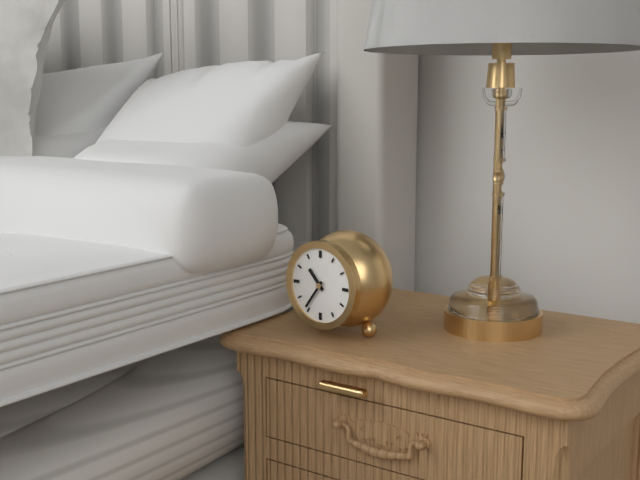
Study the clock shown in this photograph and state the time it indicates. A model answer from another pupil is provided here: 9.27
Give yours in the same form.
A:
10.36
